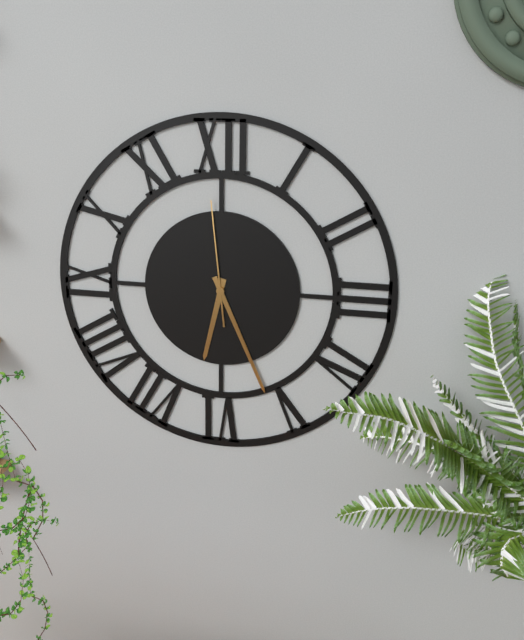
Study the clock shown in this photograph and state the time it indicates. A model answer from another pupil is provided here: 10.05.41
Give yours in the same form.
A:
6.26.59
